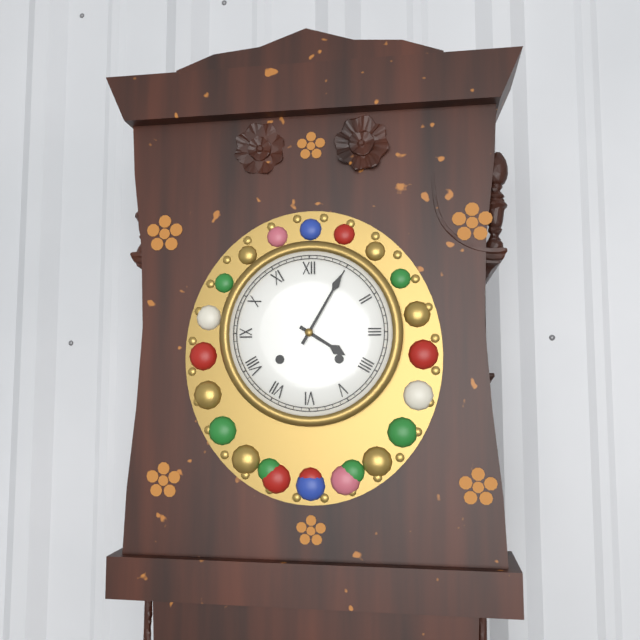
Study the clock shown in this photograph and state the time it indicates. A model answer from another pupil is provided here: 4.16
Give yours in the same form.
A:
4.05
